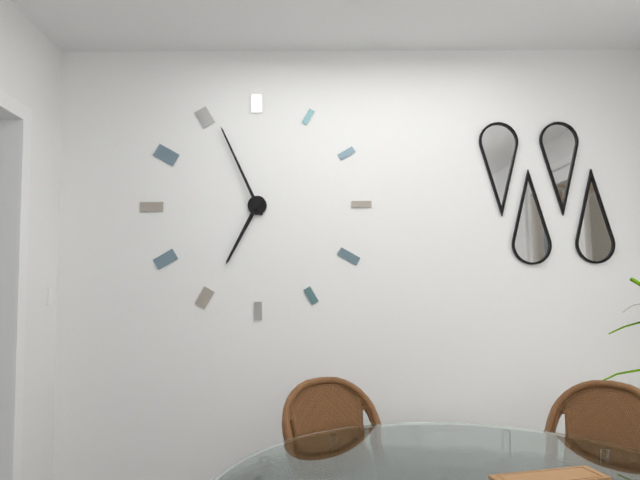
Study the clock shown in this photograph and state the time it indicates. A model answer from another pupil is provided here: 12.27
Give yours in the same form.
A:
6.56
